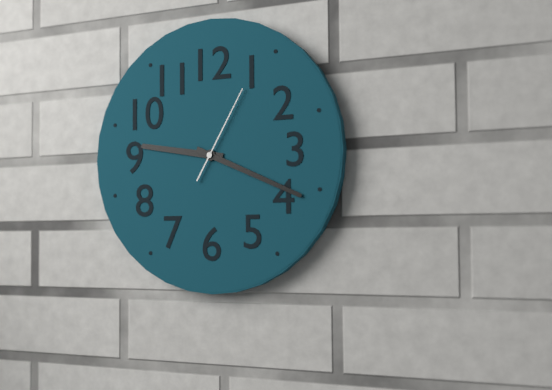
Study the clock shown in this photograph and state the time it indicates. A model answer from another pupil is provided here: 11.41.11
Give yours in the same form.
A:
9.19.05
